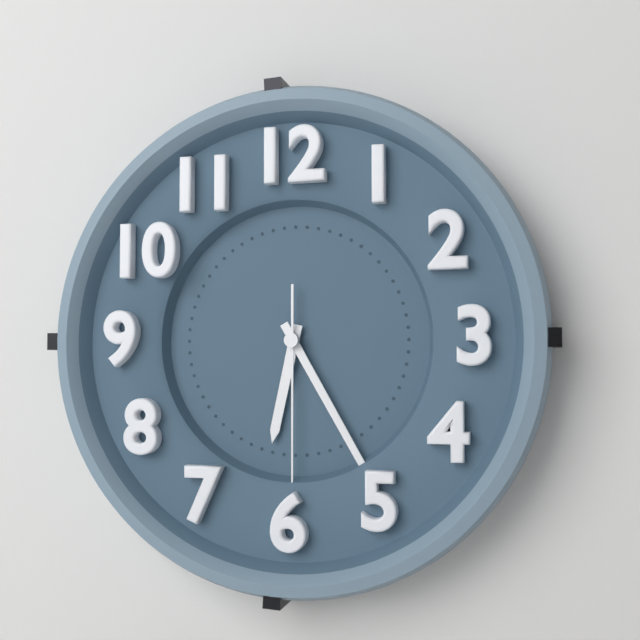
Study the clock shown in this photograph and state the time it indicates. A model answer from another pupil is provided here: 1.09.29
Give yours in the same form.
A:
6.25.30
